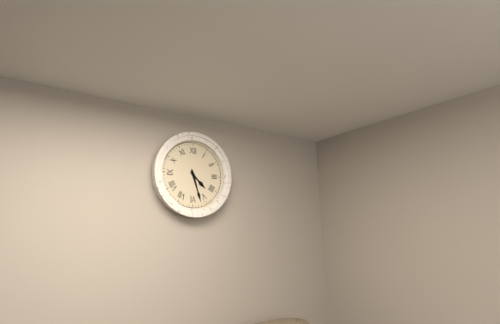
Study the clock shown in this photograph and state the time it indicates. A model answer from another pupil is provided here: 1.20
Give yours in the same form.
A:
4.27
